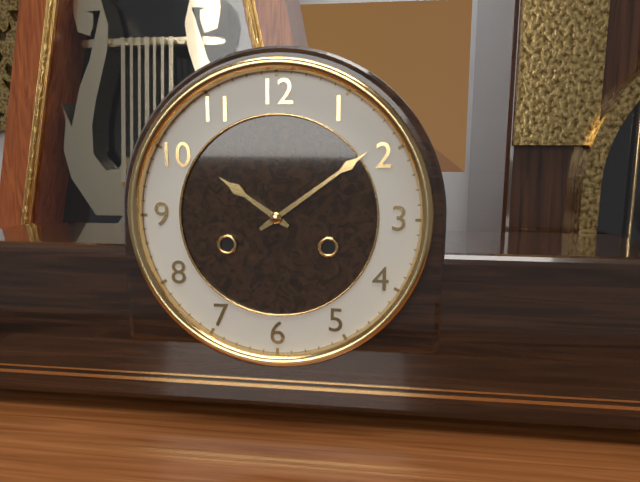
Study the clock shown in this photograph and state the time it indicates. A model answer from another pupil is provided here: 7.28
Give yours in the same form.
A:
10.09
